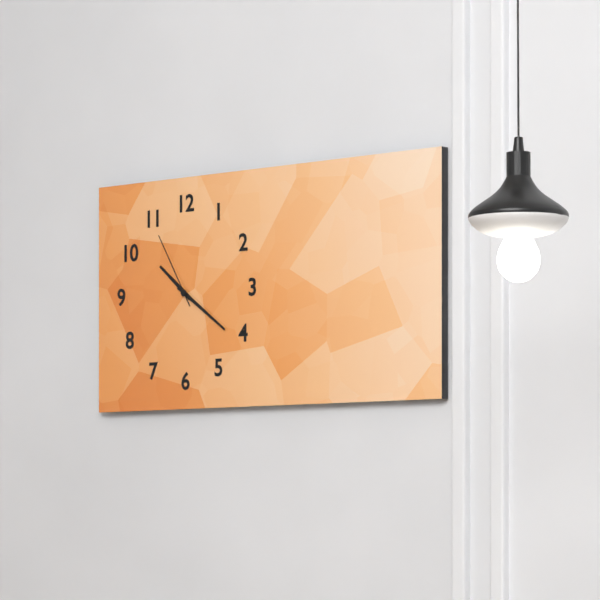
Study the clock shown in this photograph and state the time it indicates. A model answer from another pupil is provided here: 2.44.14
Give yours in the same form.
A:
10.21.55
